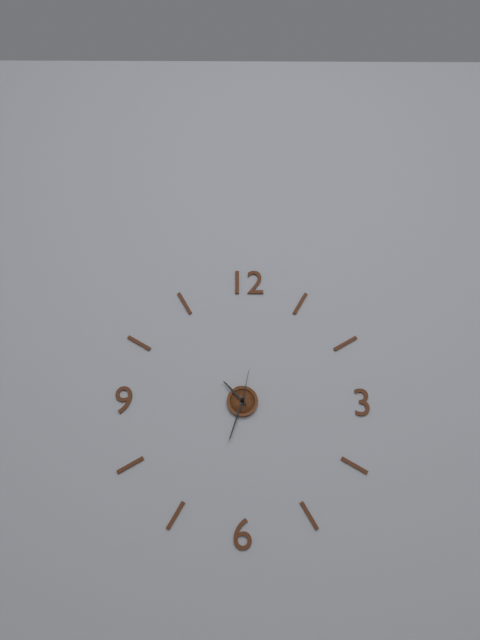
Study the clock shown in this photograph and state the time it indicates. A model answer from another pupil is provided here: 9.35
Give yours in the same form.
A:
10.33
